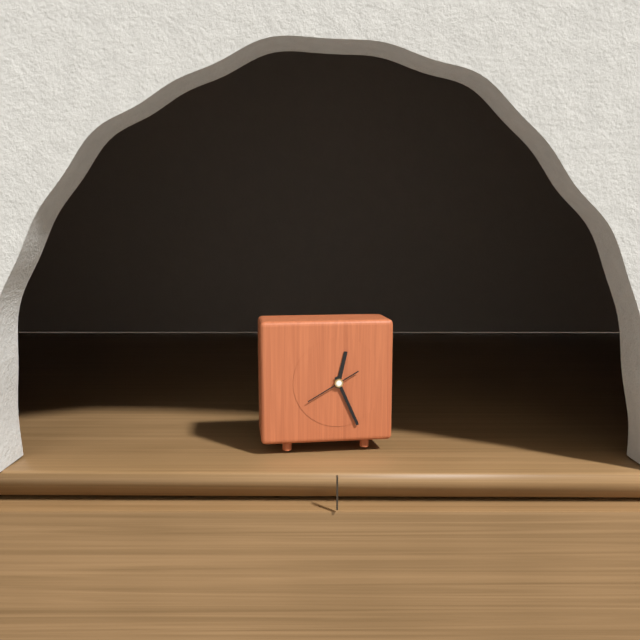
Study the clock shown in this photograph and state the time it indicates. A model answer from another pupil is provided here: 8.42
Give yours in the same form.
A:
12.26
